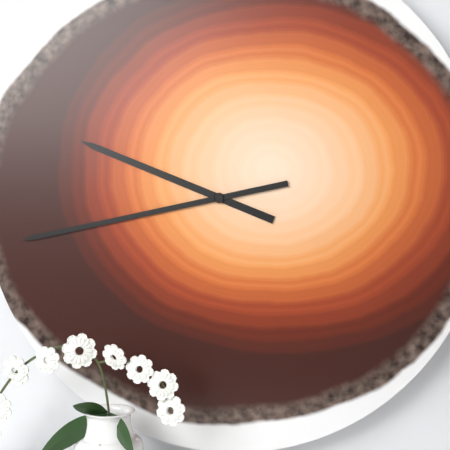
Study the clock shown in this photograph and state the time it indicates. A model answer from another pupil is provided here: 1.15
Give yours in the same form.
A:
9.43
